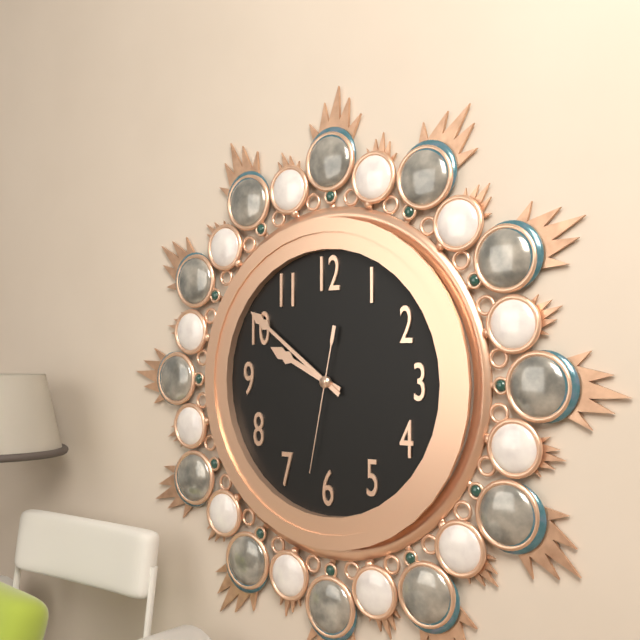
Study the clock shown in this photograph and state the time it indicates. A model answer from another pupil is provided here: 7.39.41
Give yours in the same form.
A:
9.51.32
